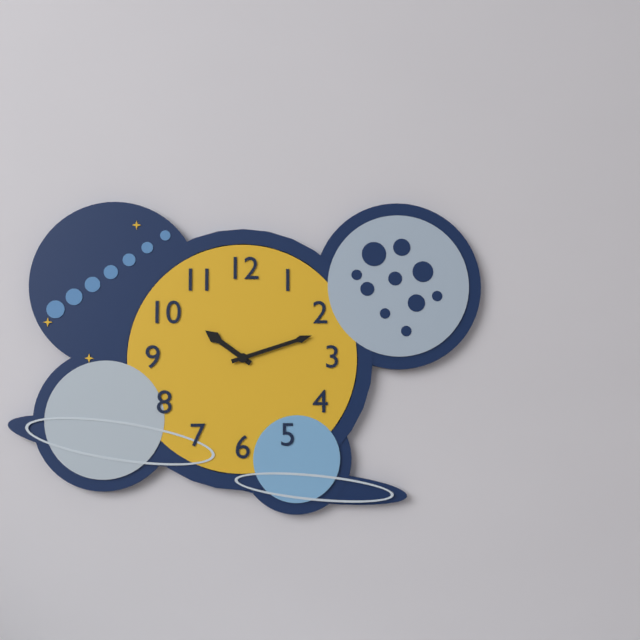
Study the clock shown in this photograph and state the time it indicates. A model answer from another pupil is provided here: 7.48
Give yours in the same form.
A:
10.12
